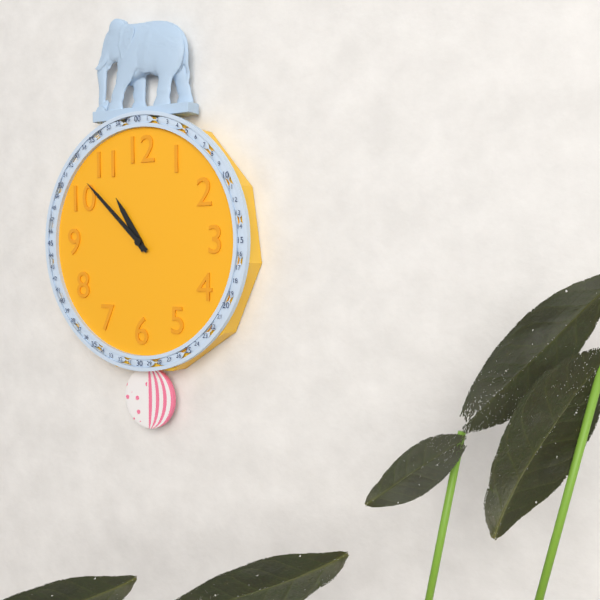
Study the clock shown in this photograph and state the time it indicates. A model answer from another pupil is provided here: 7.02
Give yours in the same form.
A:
10.52
